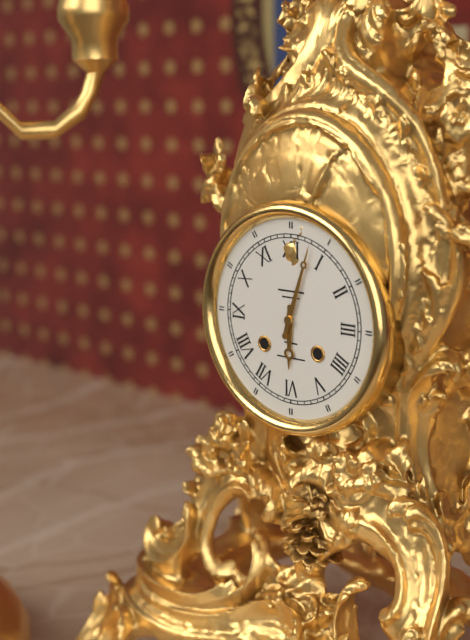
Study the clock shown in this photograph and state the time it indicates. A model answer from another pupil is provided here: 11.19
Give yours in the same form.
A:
6.03
